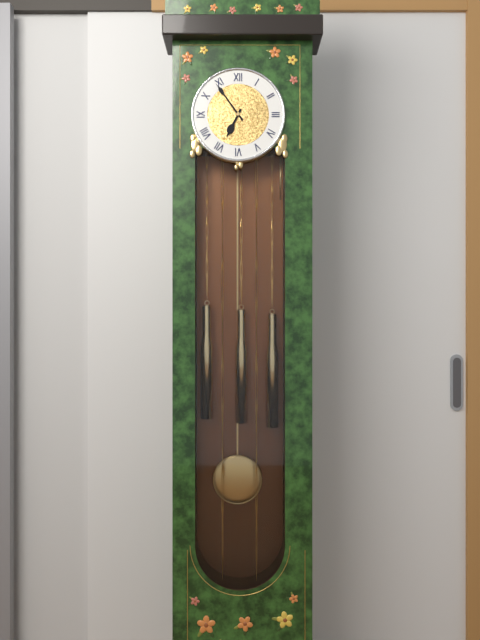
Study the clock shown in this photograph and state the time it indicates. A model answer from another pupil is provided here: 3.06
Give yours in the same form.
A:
6.54
